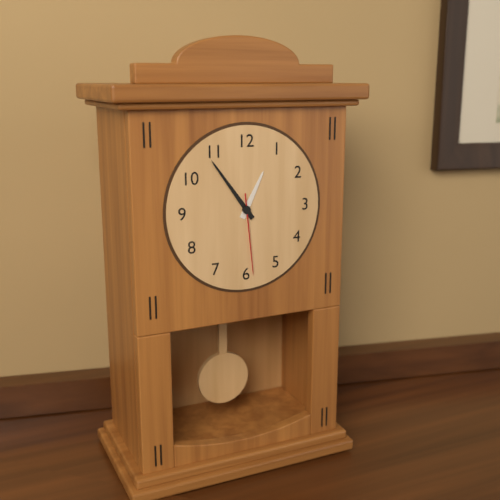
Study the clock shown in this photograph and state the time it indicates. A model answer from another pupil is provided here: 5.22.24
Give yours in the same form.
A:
12.54.29
